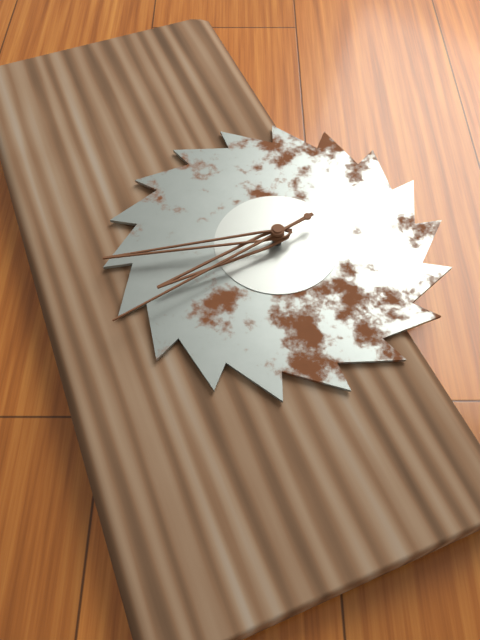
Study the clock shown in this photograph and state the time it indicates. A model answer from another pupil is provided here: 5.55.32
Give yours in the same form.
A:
8.47.43
